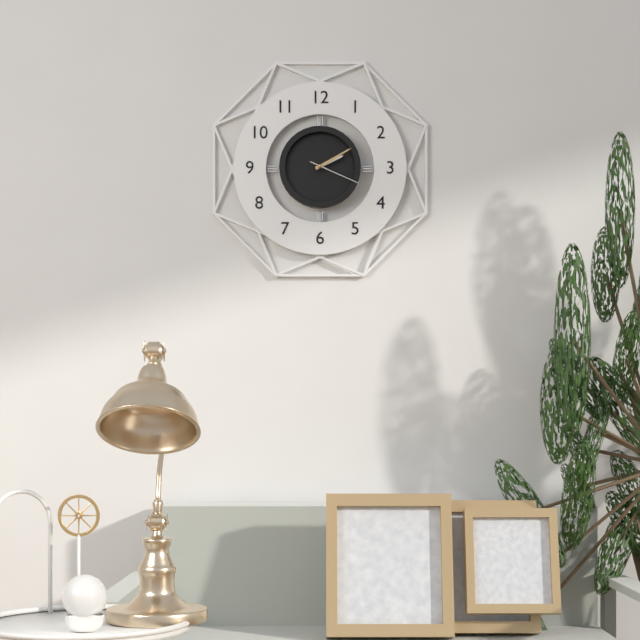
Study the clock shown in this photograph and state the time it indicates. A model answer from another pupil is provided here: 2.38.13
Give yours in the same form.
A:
2.10.19
